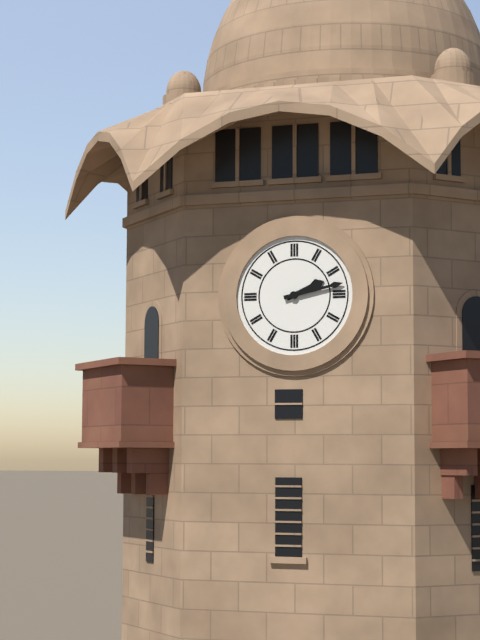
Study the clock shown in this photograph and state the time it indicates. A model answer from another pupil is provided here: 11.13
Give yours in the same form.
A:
2.13
